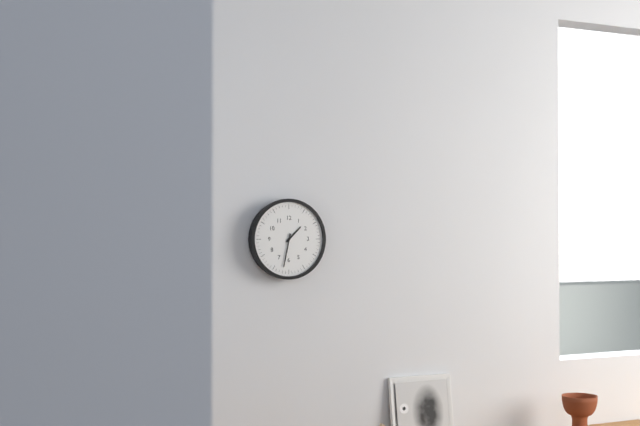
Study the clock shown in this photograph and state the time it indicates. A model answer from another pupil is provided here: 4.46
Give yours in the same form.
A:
1.32
